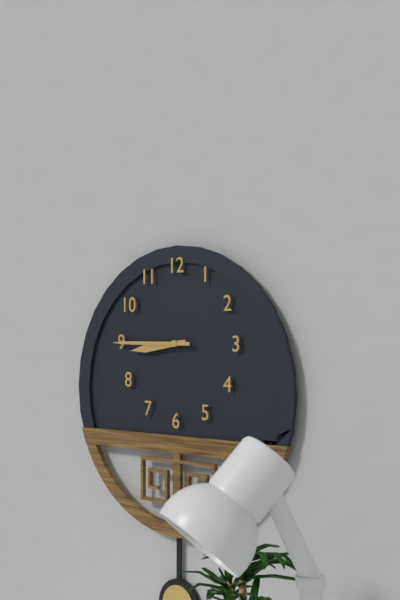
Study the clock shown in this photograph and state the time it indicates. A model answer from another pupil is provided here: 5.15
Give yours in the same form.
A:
8.45
